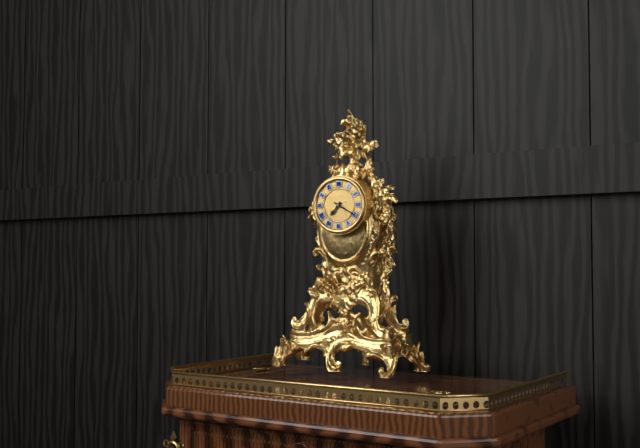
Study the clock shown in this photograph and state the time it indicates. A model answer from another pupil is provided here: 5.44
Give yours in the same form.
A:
7.20
